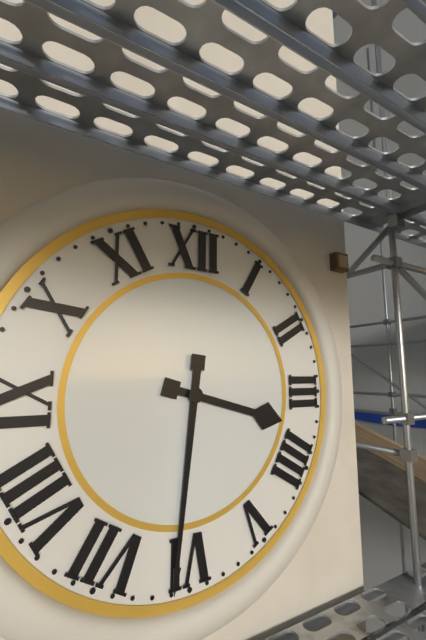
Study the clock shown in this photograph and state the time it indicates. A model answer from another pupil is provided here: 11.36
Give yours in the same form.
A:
3.31
